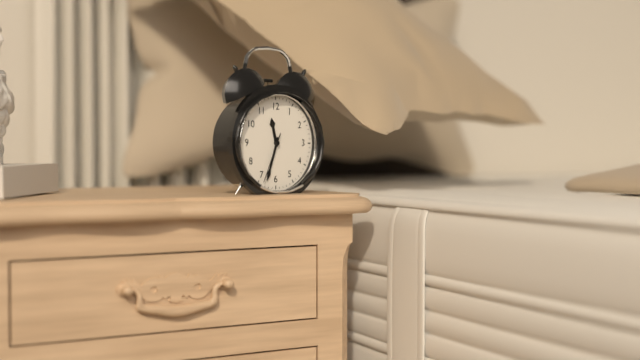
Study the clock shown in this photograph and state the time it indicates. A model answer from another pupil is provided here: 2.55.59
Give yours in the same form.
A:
11.33.34
